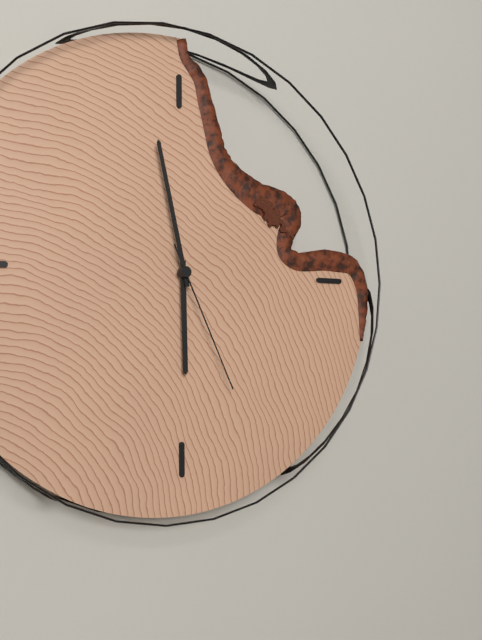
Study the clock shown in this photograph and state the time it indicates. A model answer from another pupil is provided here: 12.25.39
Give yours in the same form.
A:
5.58.26
